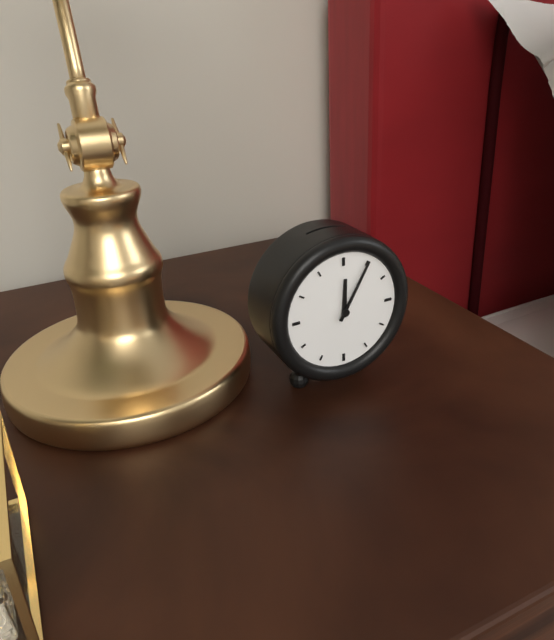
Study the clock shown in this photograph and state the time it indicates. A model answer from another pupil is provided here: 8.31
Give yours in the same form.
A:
12.05
